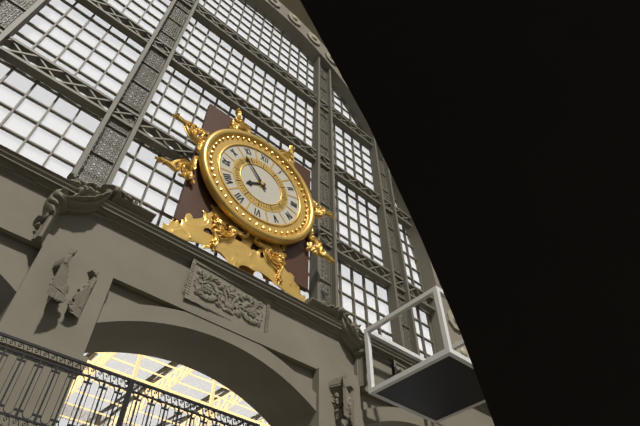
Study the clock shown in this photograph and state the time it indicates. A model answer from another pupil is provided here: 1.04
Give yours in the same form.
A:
7.53
